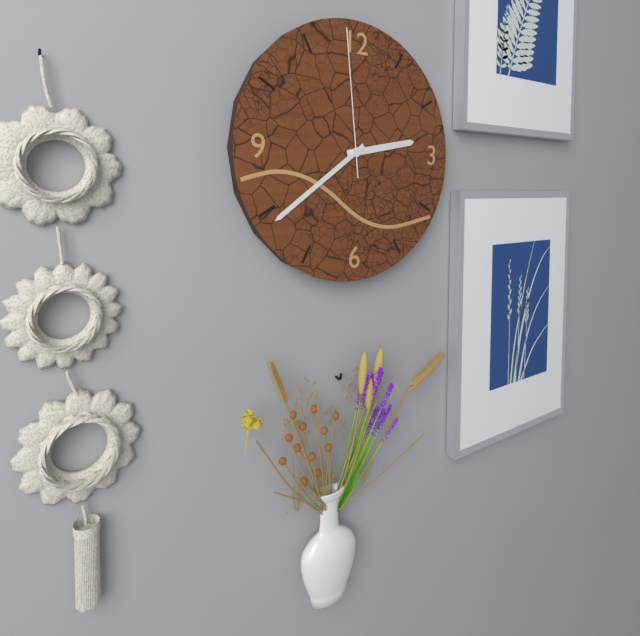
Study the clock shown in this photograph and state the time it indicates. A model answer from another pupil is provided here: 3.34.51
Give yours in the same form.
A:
2.39.59
